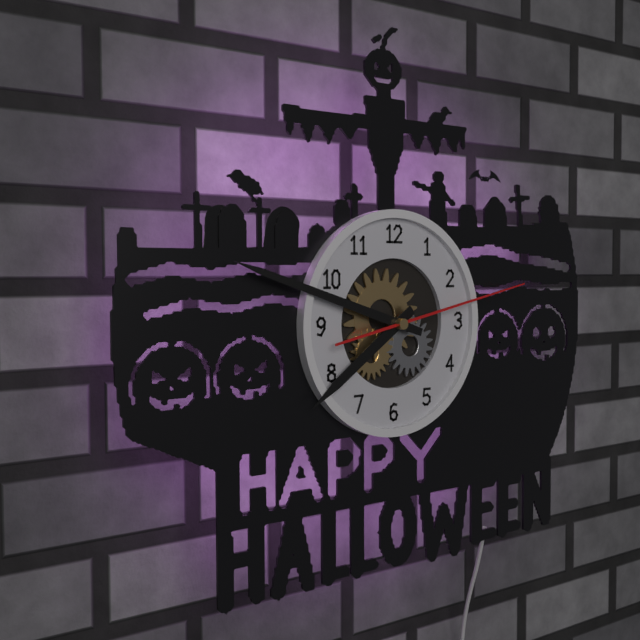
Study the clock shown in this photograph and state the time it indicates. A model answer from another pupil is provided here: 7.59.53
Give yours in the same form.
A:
7.48.13
